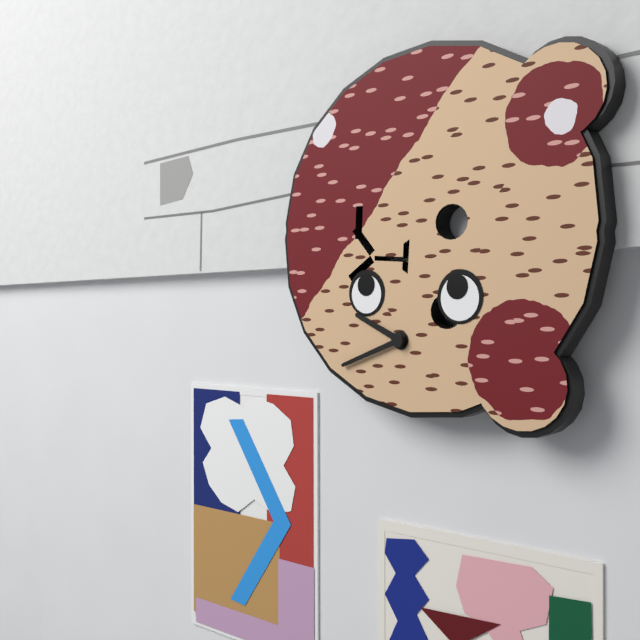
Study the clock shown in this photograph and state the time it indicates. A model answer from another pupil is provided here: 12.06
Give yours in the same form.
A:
9.41
